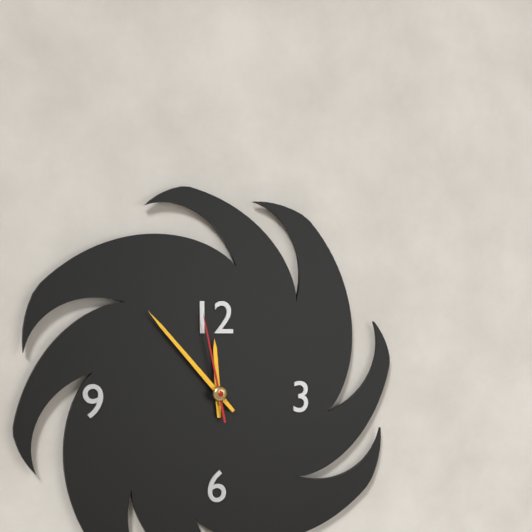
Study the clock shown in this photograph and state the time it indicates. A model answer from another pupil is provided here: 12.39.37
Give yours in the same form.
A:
11.53.58
